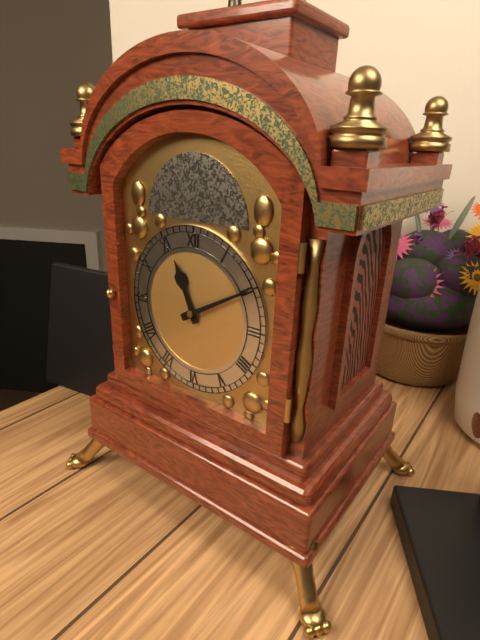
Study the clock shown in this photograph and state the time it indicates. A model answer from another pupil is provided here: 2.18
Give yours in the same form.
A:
11.10
